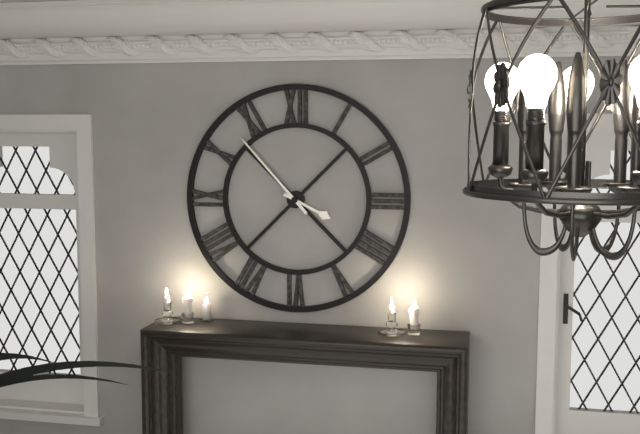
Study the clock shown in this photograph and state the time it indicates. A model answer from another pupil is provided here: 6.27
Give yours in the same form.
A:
3.53
